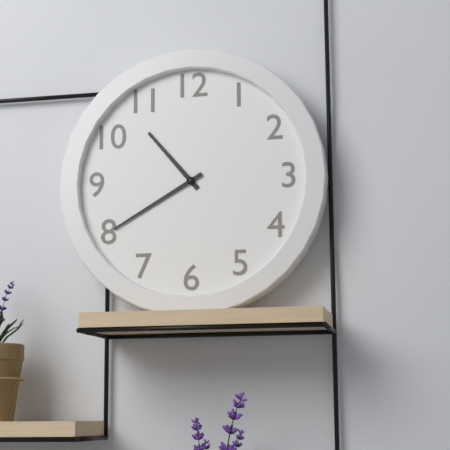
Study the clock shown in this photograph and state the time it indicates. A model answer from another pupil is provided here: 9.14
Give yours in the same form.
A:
10.40
